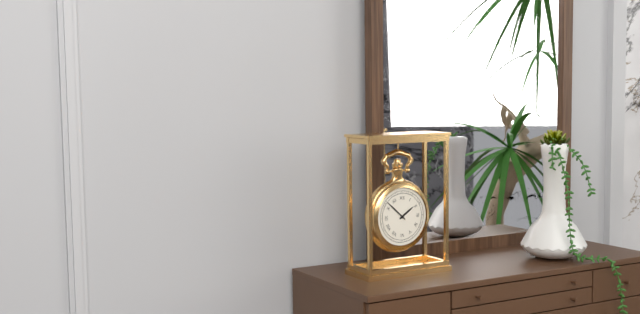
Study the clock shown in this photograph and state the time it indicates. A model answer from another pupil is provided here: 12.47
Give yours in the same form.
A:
1.52
